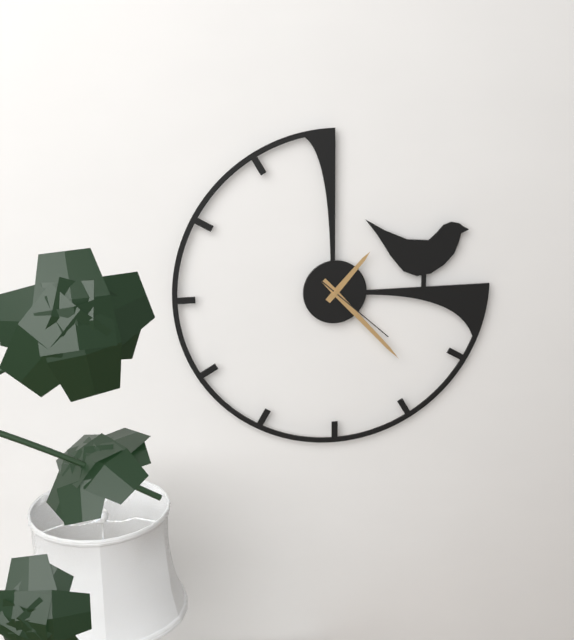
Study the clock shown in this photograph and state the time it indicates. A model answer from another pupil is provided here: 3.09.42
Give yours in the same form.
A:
1.23.22
